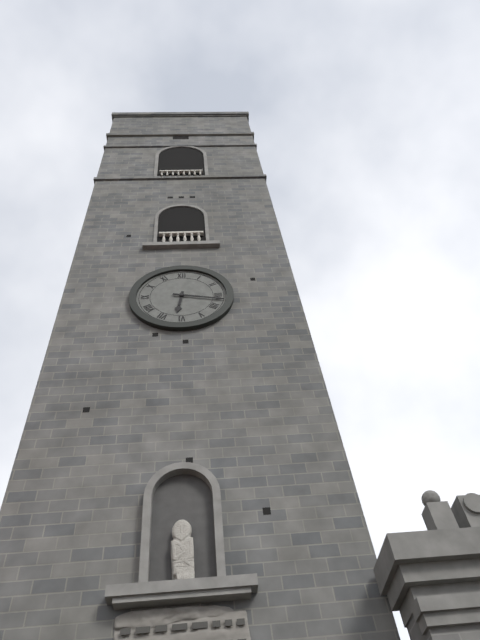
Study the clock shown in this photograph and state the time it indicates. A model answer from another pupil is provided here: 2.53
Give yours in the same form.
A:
6.17
